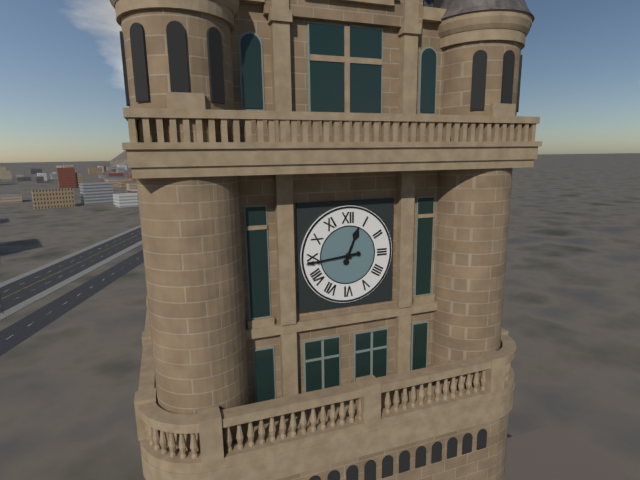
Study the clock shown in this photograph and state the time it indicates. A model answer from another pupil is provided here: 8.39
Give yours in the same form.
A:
12.44
